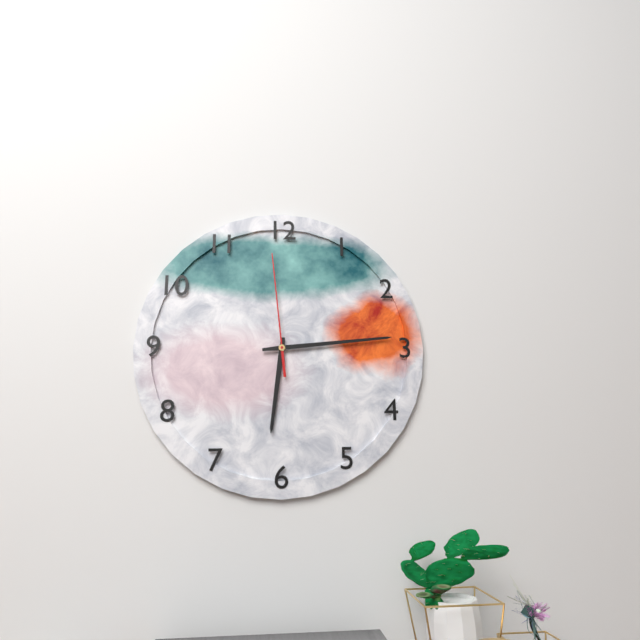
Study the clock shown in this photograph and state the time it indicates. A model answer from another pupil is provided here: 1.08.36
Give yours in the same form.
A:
6.14.59
